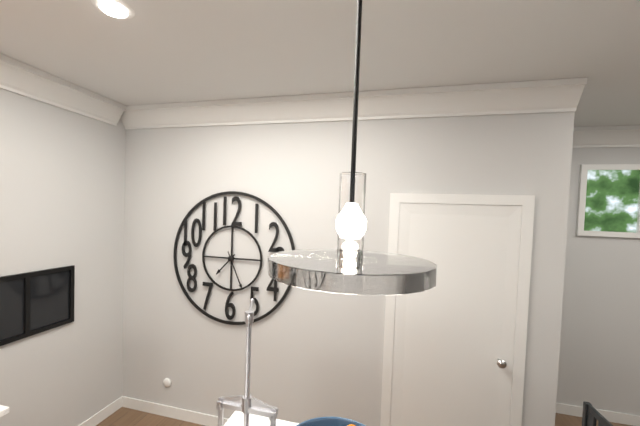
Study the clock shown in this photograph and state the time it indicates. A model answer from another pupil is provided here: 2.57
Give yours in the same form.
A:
7.26
